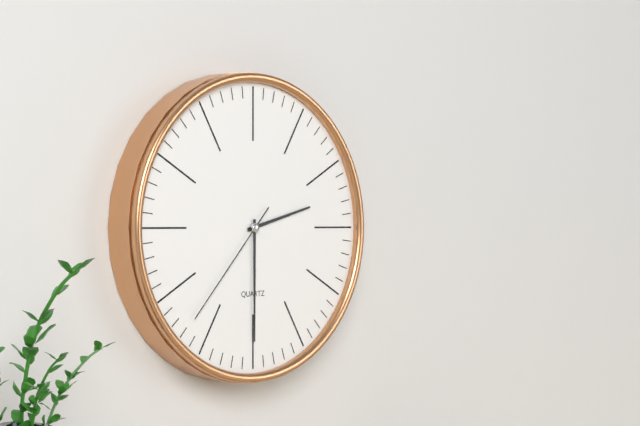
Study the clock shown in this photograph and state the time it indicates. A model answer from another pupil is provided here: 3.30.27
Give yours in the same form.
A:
2.30.37
